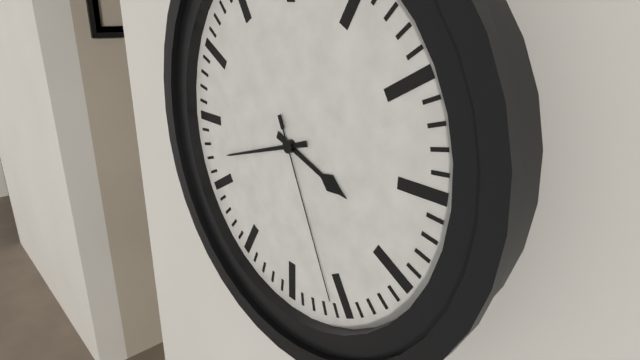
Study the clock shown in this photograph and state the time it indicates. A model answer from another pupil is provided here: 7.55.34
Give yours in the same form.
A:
3.42.26
